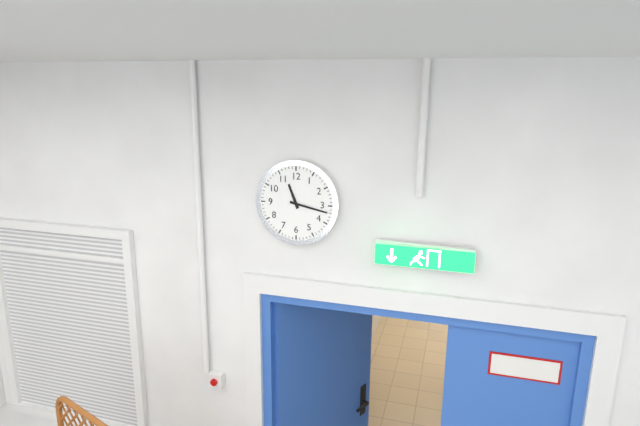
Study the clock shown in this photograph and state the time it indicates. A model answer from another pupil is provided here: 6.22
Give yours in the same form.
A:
11.17
